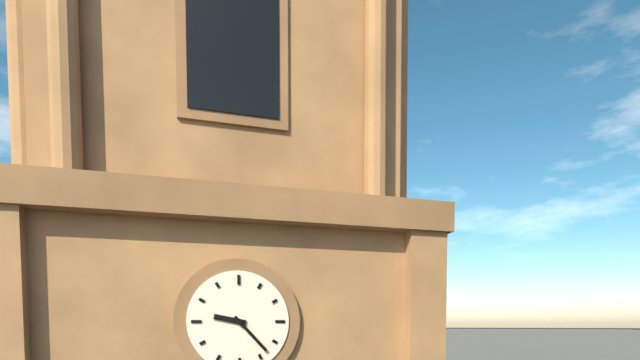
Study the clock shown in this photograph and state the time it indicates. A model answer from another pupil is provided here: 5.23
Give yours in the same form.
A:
9.23
